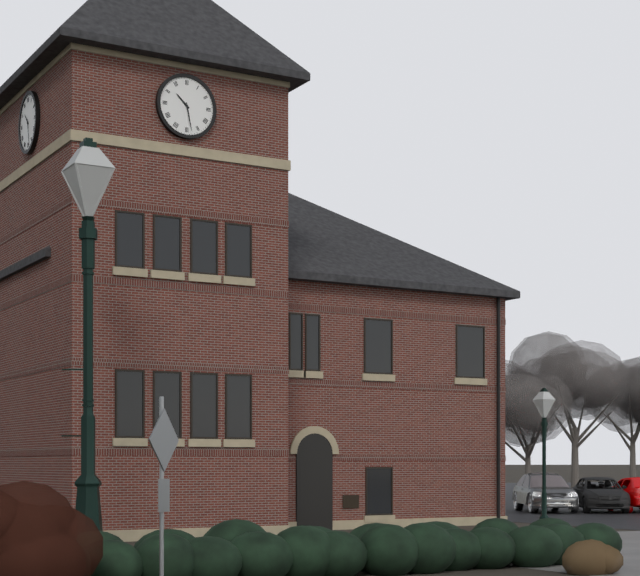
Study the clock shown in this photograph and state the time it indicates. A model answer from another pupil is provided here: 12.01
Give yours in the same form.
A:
10.28
